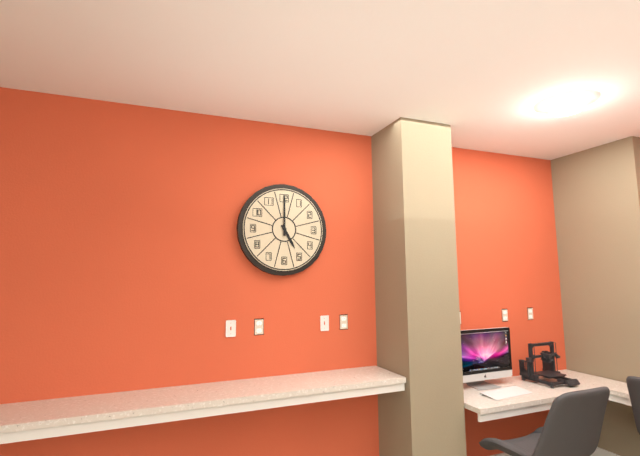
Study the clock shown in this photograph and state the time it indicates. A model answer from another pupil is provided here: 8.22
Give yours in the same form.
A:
5.00
